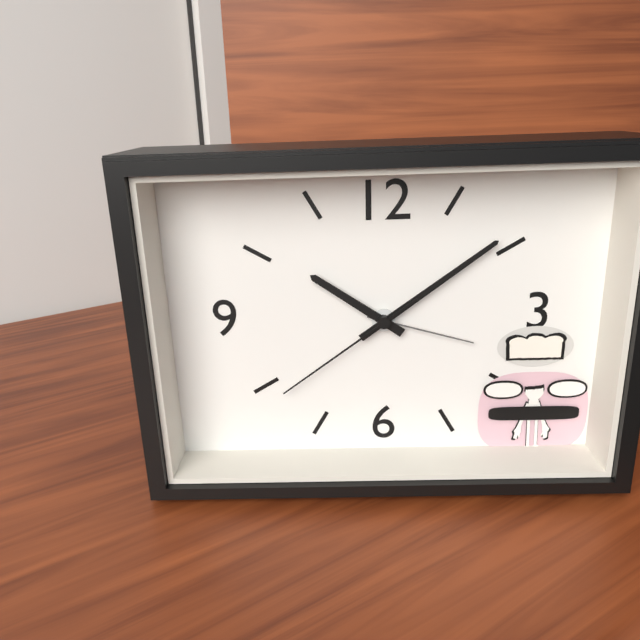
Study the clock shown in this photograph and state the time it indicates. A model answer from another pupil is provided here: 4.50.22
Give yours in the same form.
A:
10.09.39
